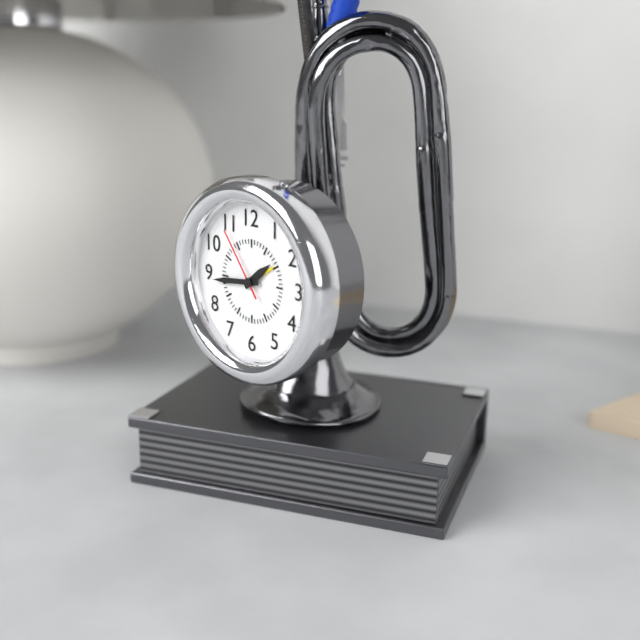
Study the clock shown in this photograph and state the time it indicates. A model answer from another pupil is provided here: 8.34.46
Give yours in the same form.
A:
1.44.54
